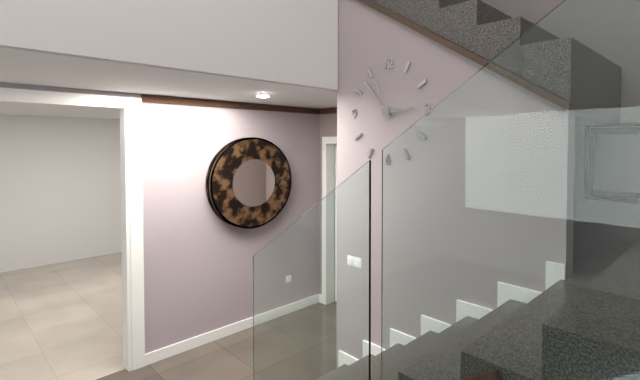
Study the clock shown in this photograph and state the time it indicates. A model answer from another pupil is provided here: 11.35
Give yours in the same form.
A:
2.53
